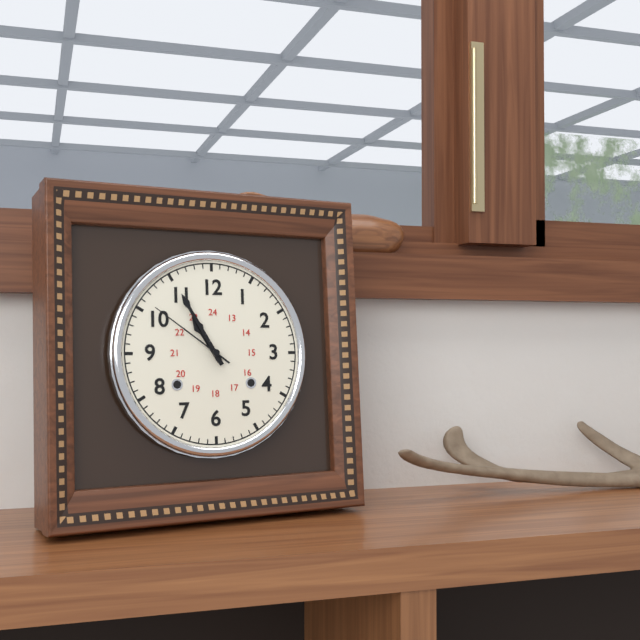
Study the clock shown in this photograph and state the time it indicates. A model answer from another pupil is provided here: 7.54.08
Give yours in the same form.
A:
10.55.51
